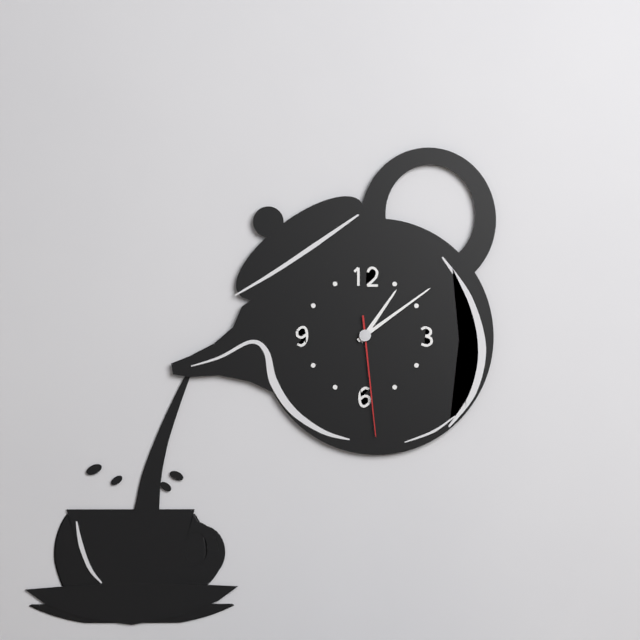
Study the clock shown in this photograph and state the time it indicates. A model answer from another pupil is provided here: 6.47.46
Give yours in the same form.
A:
1.09.29
